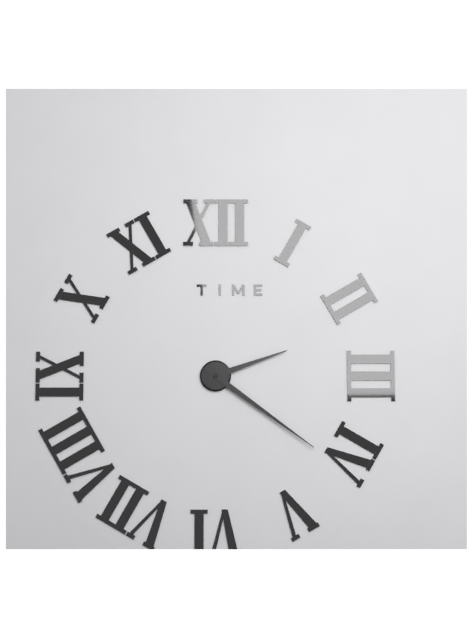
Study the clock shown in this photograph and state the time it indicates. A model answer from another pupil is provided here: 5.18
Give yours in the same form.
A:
2.21
